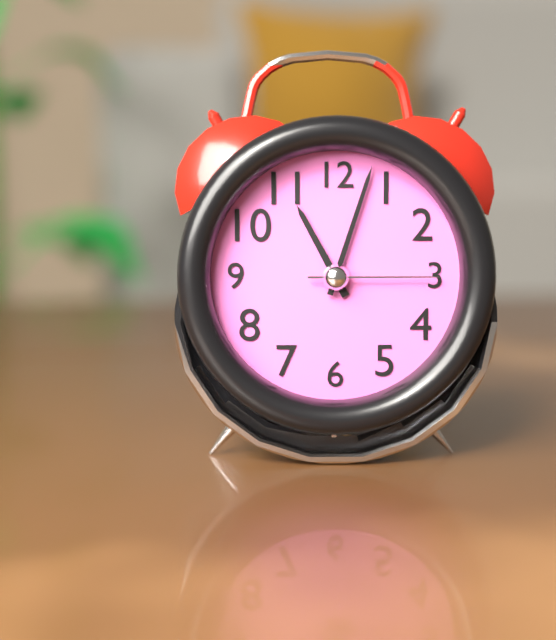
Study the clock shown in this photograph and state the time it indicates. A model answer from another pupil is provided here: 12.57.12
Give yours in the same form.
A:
11.03.15
